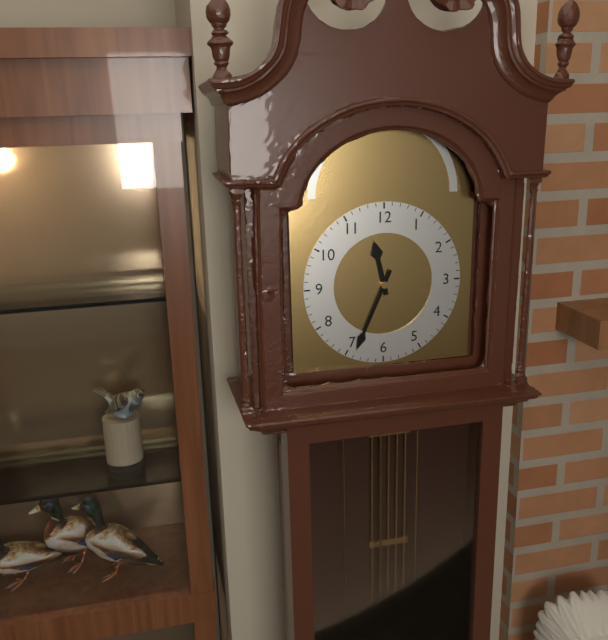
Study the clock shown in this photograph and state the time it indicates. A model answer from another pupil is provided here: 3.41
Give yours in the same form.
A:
11.34
